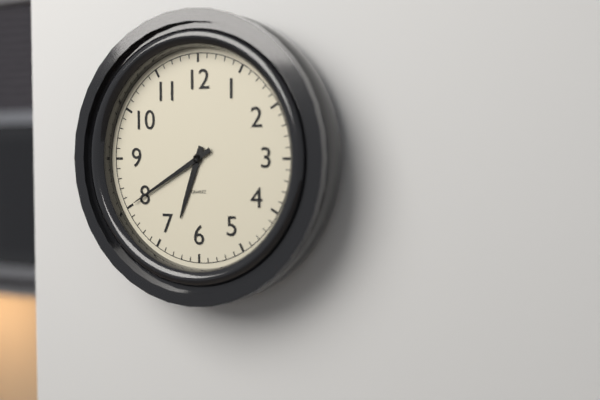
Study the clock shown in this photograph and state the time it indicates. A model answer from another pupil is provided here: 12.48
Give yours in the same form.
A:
6.40
